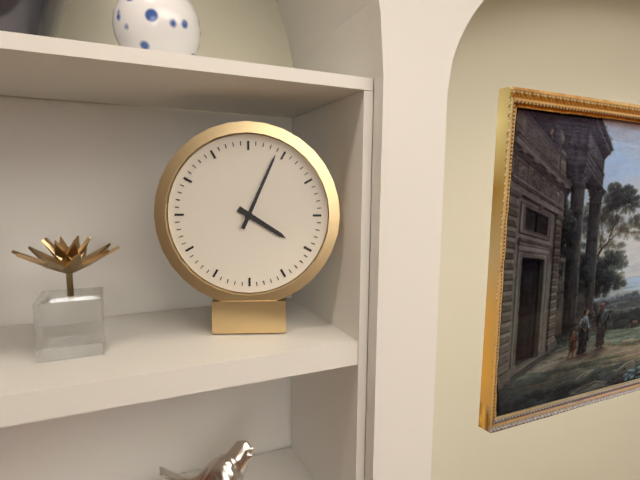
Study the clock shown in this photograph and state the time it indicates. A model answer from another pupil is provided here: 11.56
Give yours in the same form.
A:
4.04
